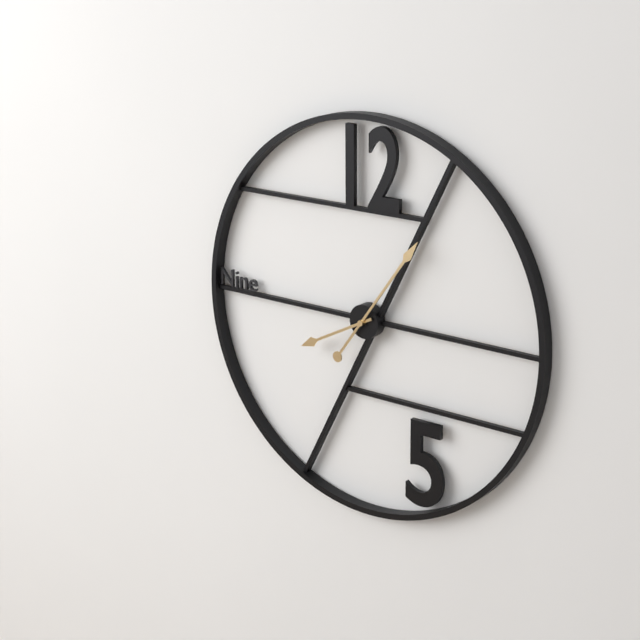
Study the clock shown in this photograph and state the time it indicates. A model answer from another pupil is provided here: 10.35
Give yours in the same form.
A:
8.06
